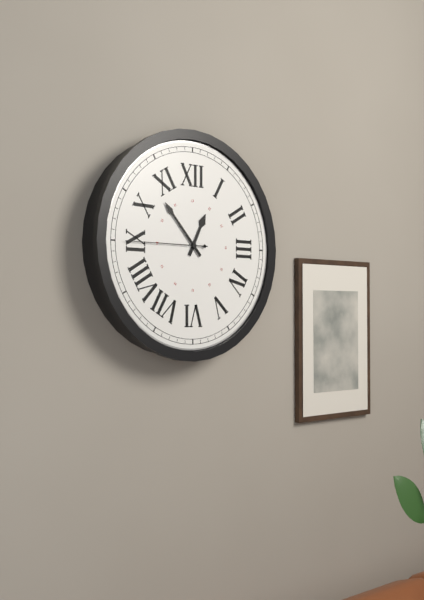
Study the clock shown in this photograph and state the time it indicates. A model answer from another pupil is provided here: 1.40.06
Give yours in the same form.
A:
12.53.45
